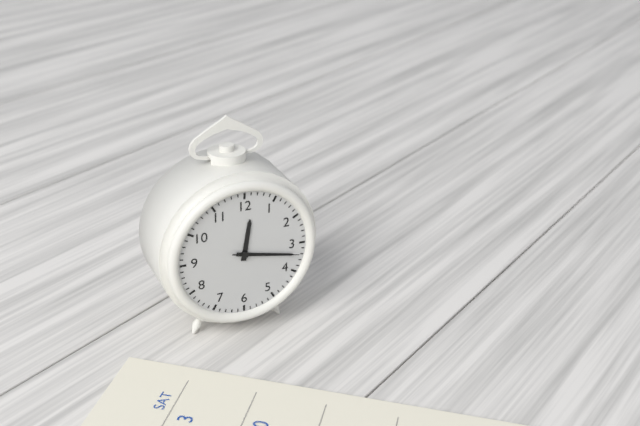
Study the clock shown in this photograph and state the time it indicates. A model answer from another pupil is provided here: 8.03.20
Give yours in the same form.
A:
12.17.17
